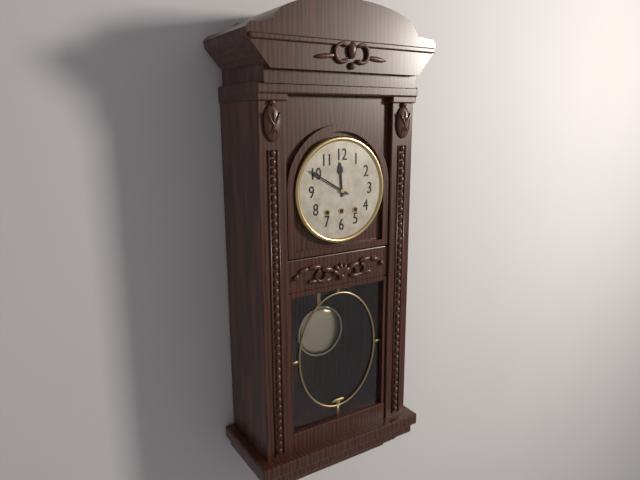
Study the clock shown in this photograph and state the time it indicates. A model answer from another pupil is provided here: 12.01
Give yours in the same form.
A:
11.50
